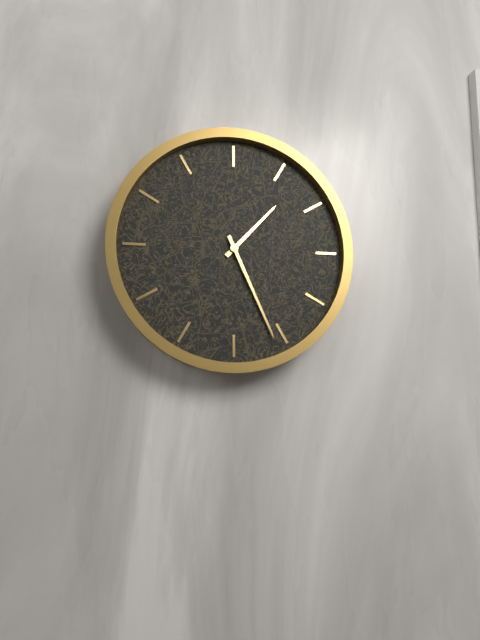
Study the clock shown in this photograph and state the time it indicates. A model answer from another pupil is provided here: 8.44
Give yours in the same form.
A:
1.26
